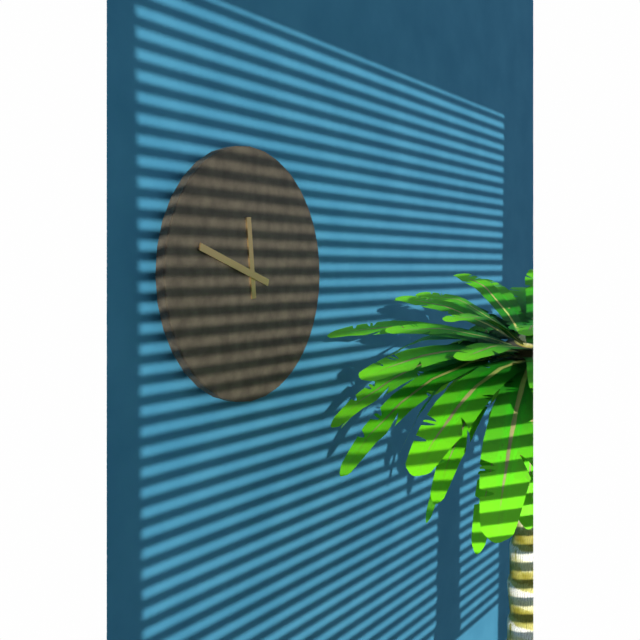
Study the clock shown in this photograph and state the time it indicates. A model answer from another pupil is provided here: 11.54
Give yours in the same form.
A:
11.48
